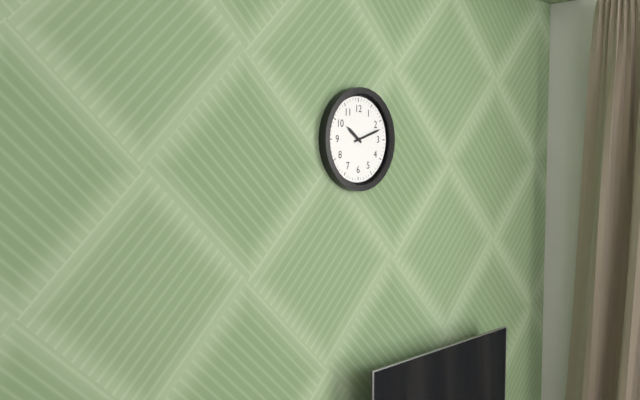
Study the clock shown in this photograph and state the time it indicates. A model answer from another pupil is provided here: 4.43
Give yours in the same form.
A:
10.12
